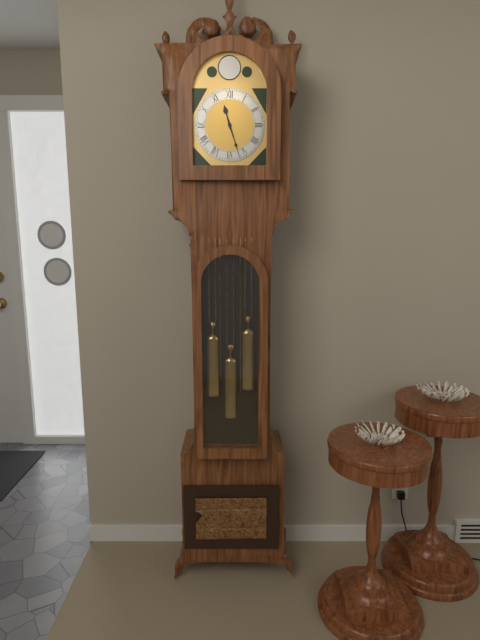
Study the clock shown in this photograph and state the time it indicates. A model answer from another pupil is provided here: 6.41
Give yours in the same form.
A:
11.27
